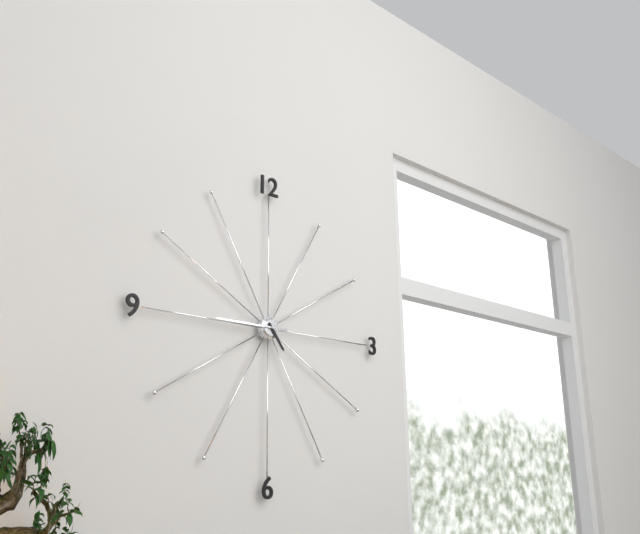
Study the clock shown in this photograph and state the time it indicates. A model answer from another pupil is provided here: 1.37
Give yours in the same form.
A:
4.45
